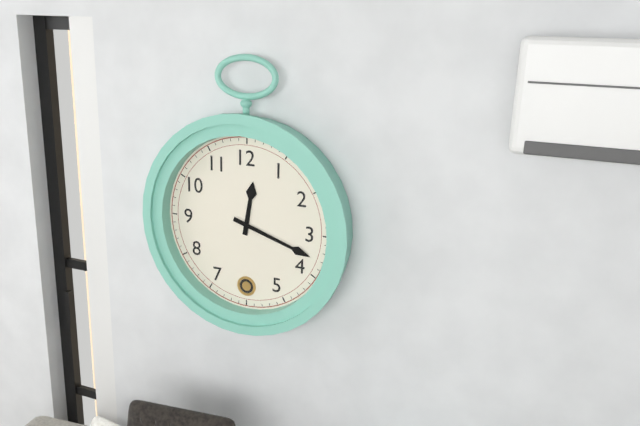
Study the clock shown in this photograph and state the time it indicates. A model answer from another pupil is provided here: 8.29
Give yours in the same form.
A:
12.18
